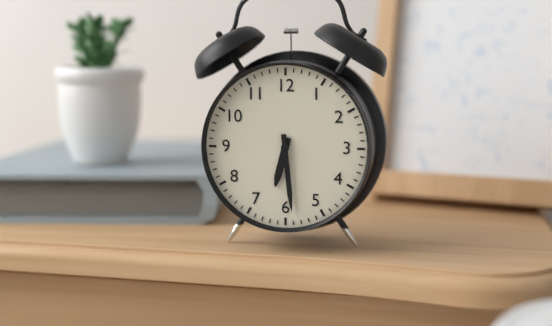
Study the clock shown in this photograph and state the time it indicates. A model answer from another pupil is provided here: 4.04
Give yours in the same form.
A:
6.29
